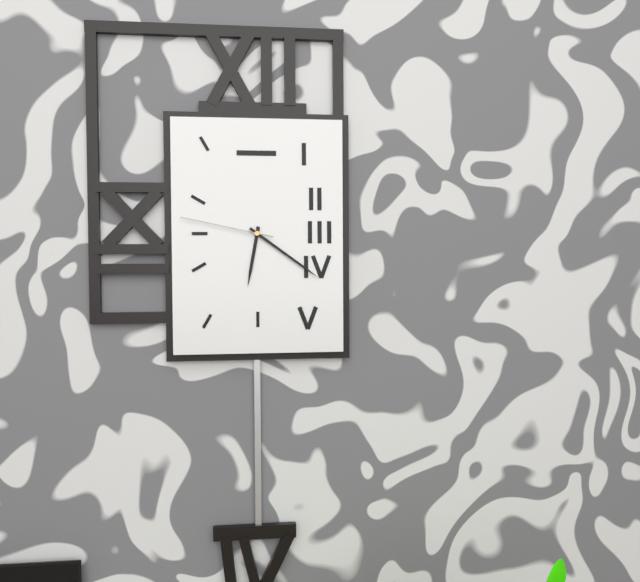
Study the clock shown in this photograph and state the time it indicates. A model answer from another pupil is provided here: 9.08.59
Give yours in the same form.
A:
6.21.47
